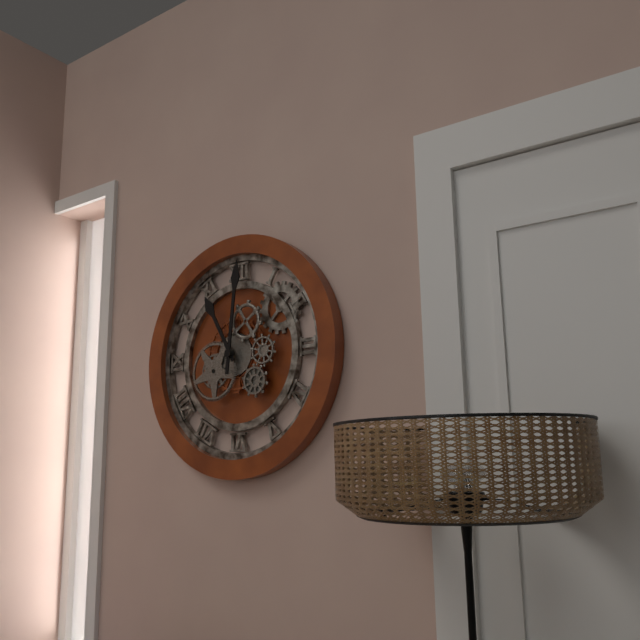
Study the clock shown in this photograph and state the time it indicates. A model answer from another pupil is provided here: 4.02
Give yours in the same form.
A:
11.01
